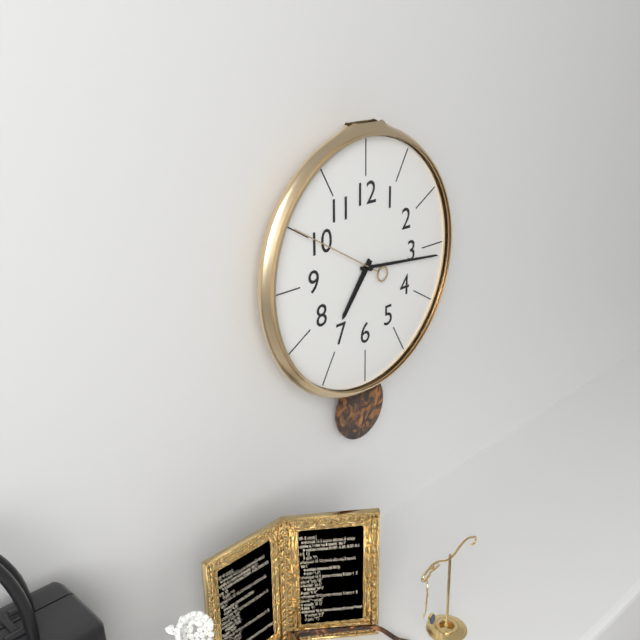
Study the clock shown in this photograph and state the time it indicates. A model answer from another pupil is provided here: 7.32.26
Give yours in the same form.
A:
7.16.50
